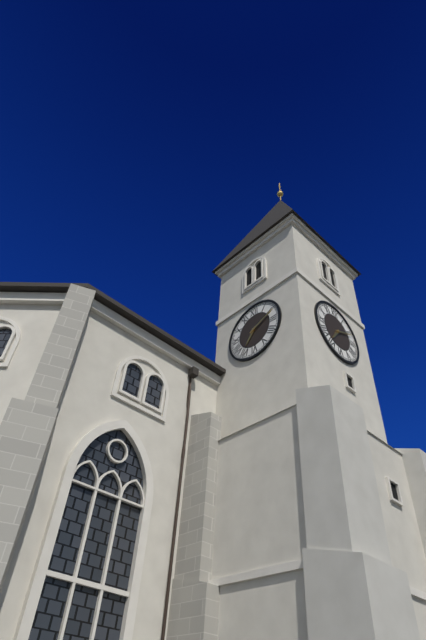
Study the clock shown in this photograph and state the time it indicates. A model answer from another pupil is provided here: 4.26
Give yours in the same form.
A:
7.11
